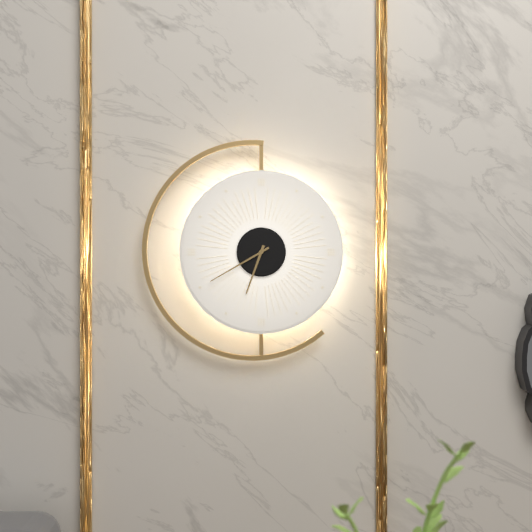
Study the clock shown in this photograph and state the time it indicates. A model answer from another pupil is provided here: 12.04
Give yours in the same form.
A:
6.40
